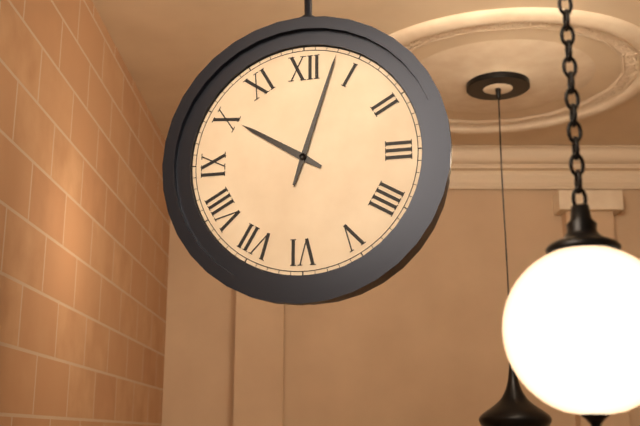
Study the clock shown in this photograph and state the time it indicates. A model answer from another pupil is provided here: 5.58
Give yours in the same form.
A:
10.03
